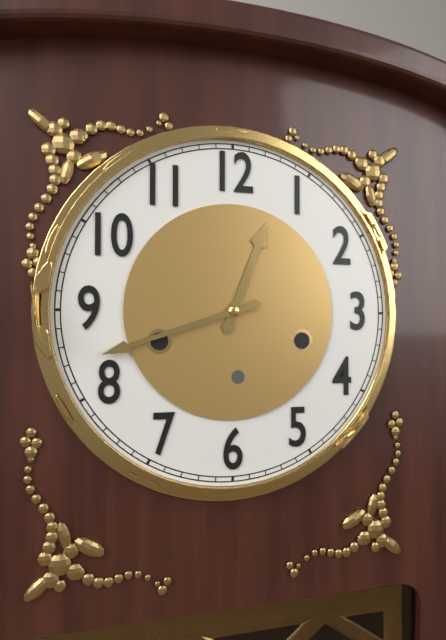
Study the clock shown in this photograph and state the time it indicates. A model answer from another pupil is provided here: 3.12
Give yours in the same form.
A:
12.42
